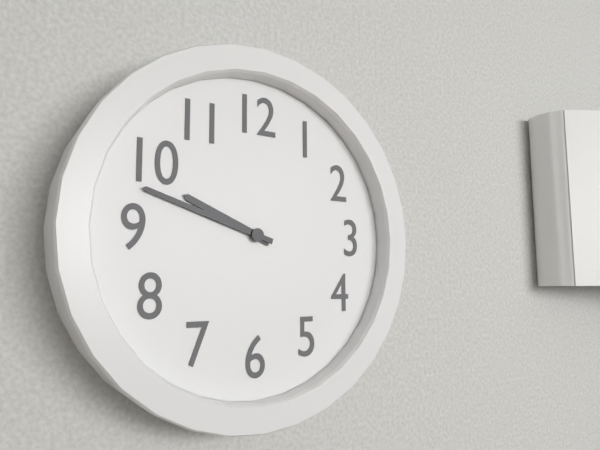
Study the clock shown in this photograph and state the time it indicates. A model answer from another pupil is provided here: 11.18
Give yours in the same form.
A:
9.48
